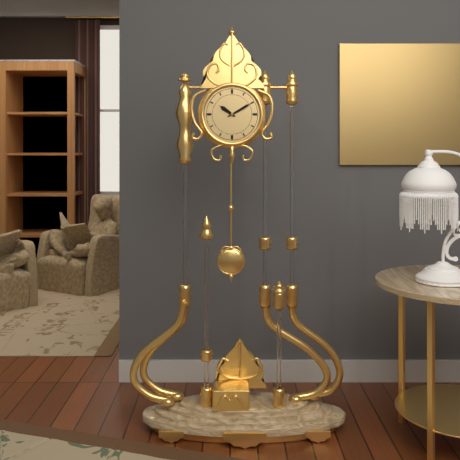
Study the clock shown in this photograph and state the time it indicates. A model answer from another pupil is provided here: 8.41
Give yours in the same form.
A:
10.10
